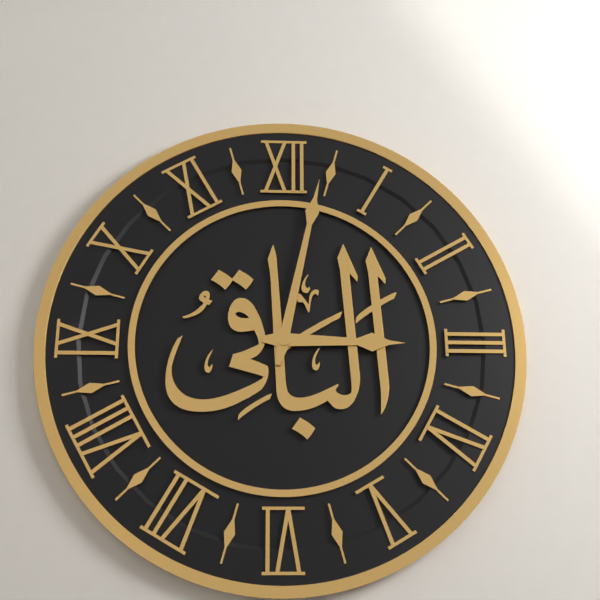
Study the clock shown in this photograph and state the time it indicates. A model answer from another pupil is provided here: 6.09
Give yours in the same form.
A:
3.02
